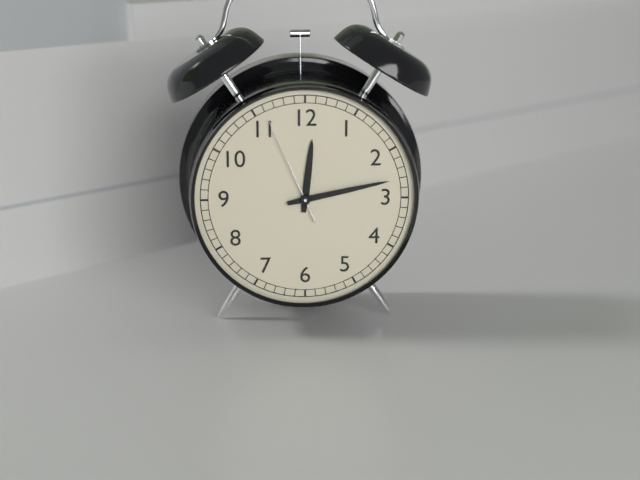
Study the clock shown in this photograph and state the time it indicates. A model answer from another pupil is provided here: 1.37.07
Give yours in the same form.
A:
12.13.56
